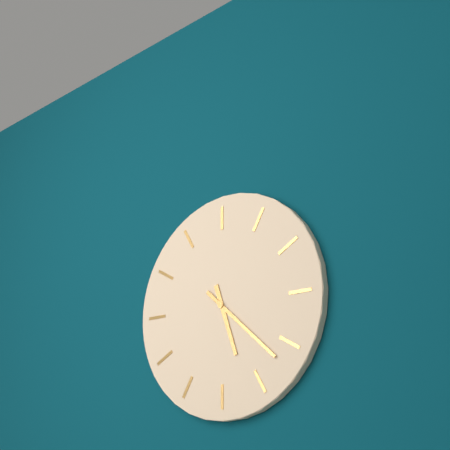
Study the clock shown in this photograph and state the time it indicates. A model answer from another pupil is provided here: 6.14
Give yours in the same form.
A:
5.22
